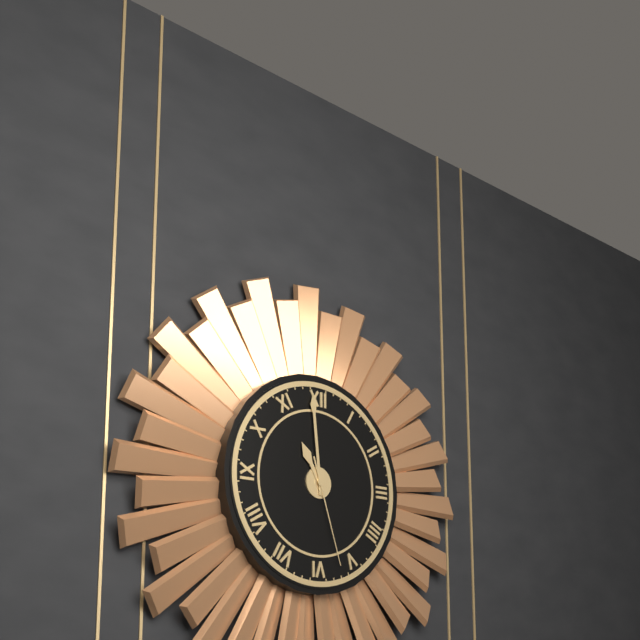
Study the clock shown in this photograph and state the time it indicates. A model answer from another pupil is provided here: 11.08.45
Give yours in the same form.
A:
10.59.27
